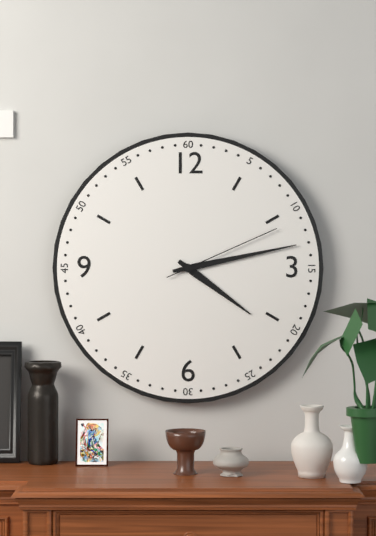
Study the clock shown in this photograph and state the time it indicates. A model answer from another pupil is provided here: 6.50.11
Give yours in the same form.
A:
4.13.11
